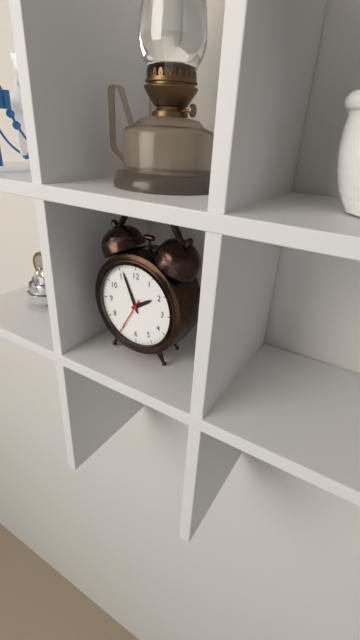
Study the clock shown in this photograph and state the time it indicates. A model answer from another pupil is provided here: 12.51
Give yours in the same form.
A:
1.56
